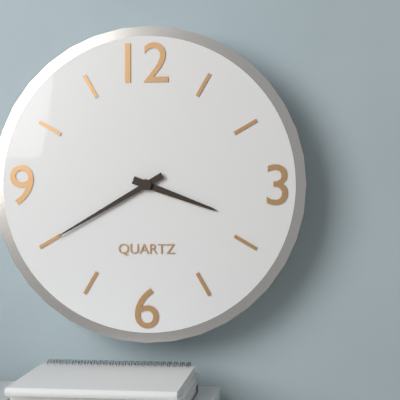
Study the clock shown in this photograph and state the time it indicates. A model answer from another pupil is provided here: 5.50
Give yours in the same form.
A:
3.40
